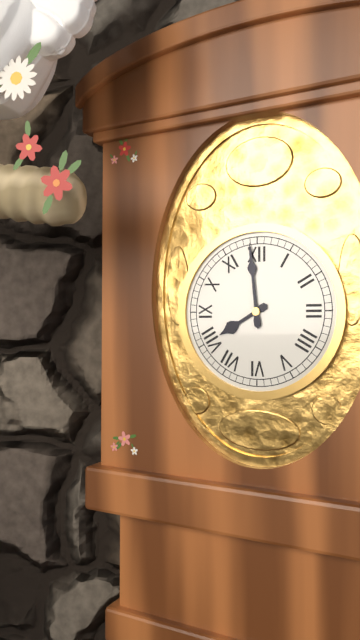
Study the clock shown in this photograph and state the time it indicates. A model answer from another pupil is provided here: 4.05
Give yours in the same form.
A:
7.59
